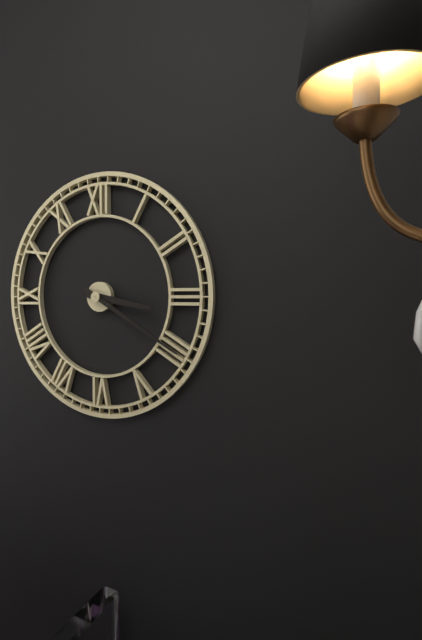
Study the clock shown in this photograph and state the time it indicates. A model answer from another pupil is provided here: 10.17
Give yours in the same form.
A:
3.20
